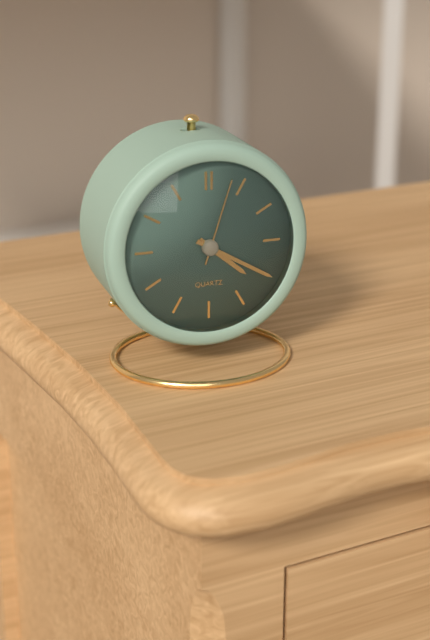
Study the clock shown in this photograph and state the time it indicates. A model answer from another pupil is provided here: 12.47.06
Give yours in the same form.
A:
4.20.03
